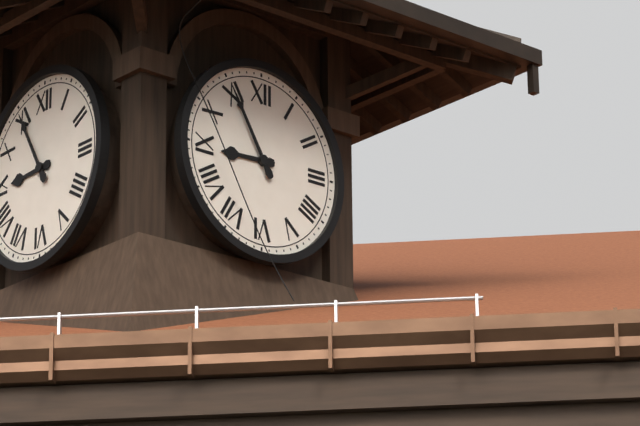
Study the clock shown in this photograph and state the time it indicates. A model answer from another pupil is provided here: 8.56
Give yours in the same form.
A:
8.55
